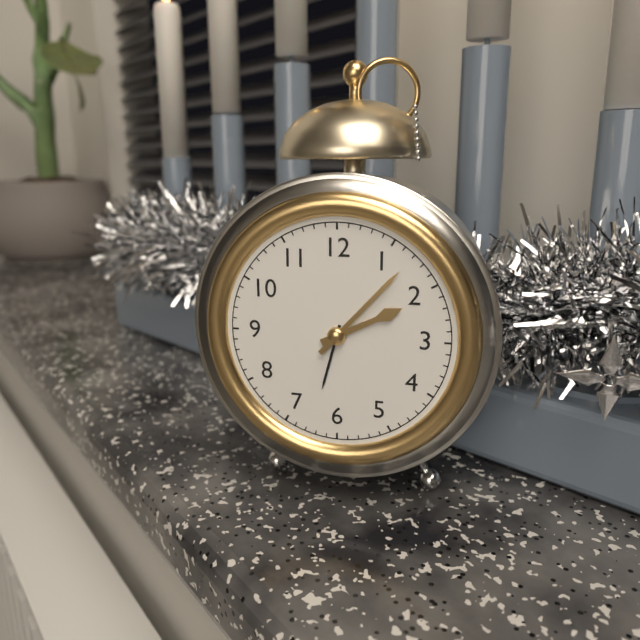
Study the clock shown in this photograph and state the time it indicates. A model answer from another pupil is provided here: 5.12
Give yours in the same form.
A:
2.07
